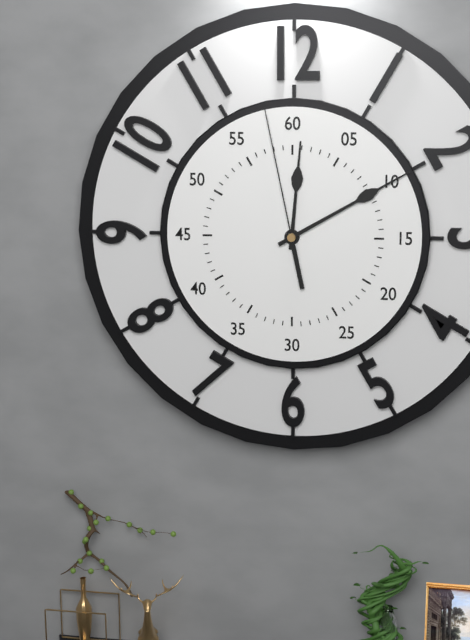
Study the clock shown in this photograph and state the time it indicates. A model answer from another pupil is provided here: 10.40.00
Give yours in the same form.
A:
12.10.58
